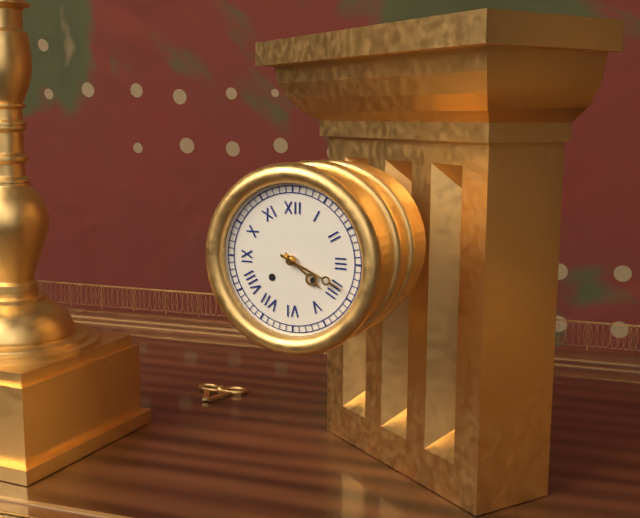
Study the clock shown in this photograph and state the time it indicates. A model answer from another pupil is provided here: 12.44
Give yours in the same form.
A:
4.19
